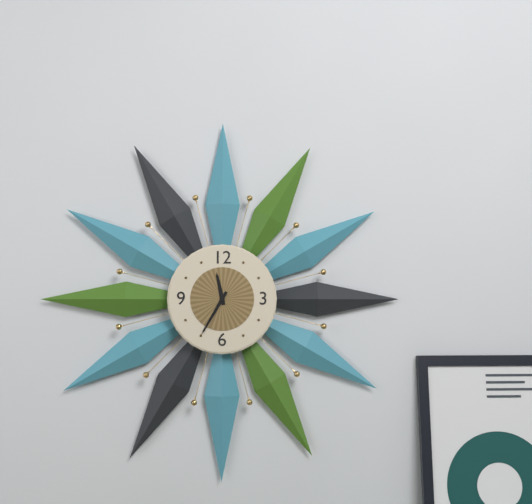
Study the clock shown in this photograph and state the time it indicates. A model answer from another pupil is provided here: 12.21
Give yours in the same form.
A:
11.35
